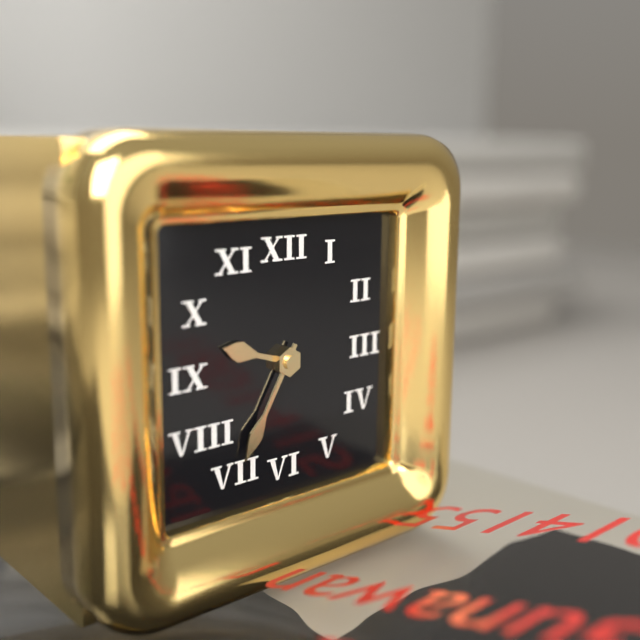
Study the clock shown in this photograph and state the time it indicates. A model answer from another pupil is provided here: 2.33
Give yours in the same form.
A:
9.35
